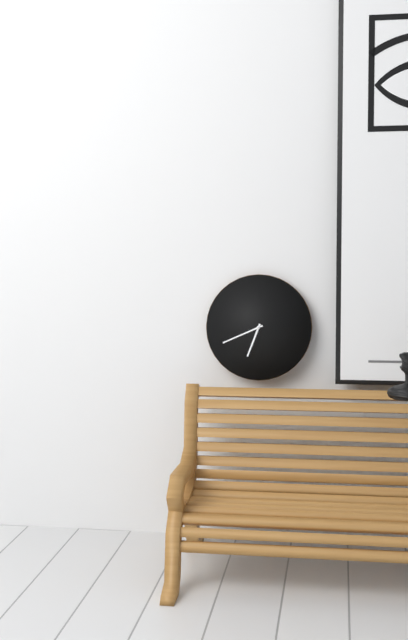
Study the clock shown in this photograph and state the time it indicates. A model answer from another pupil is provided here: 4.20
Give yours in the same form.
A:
6.41
